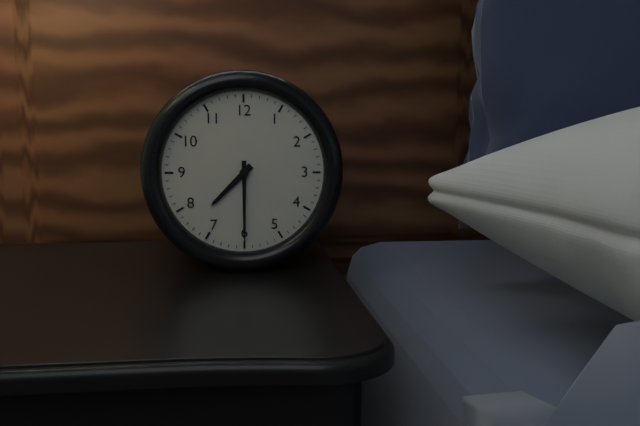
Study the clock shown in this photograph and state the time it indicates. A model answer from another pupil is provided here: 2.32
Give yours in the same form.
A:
7.30
